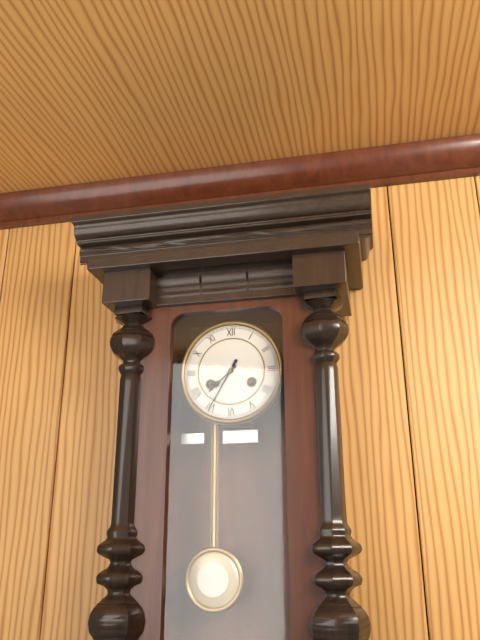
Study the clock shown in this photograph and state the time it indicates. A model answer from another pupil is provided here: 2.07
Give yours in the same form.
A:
7.35
